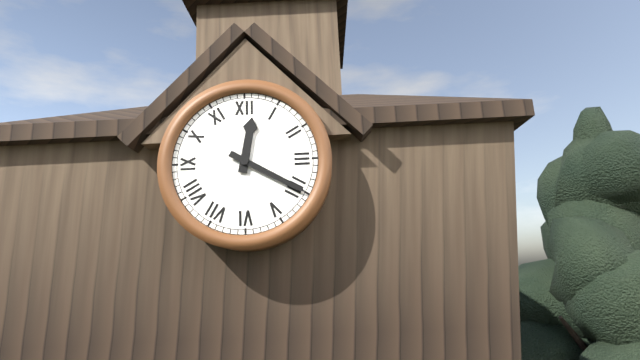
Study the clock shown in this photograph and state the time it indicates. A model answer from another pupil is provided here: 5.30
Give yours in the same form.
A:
12.20
